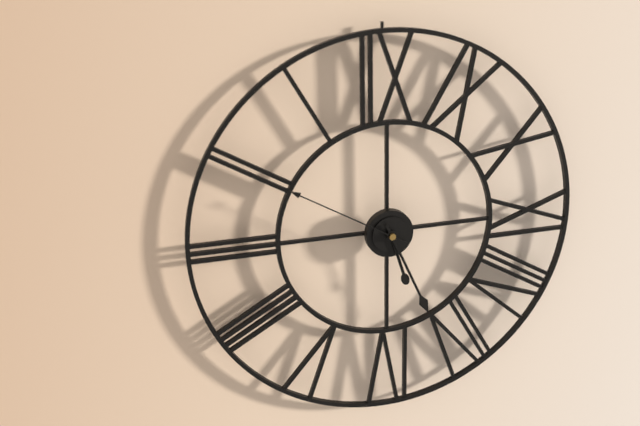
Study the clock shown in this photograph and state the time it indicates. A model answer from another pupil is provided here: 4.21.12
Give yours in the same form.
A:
5.26.50
